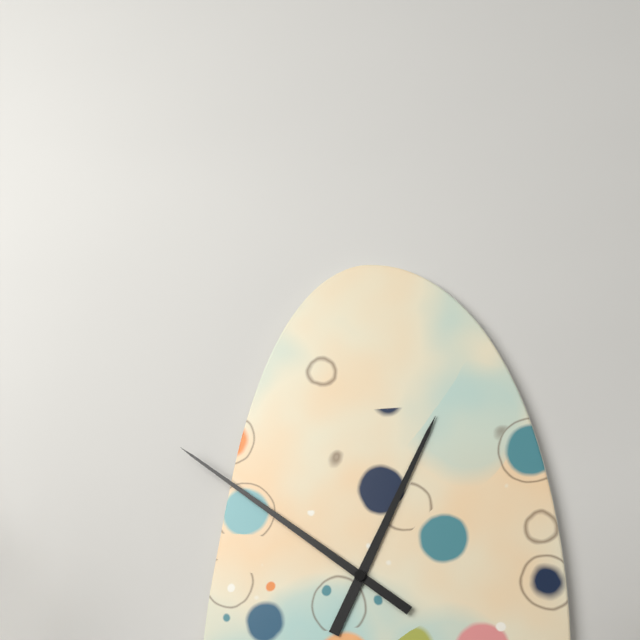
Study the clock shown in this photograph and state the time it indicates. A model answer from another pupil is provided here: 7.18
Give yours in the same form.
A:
12.51
